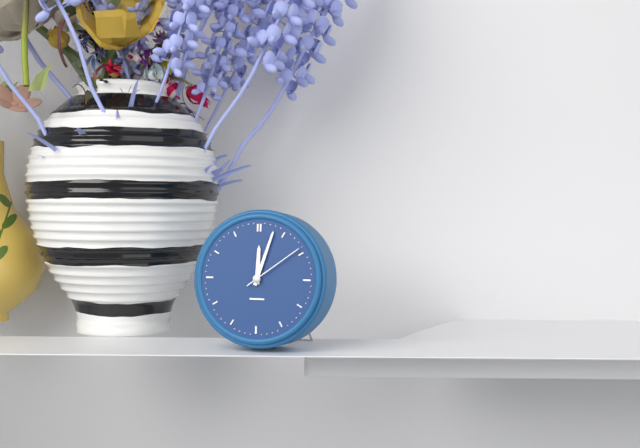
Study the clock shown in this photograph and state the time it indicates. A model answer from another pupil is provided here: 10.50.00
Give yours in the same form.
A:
12.03.09
